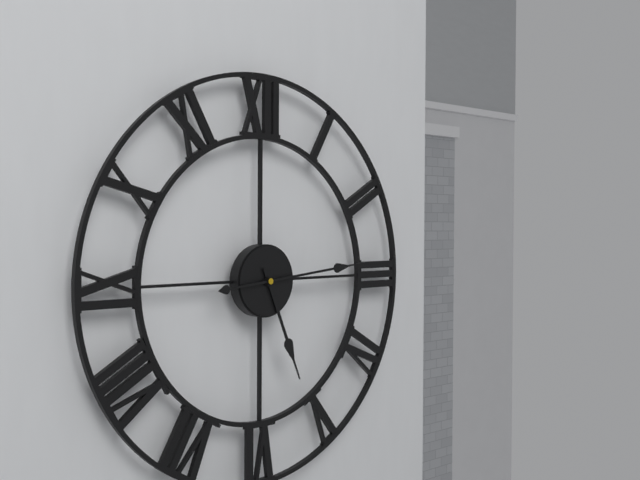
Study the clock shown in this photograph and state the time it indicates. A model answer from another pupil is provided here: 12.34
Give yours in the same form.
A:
5.14
